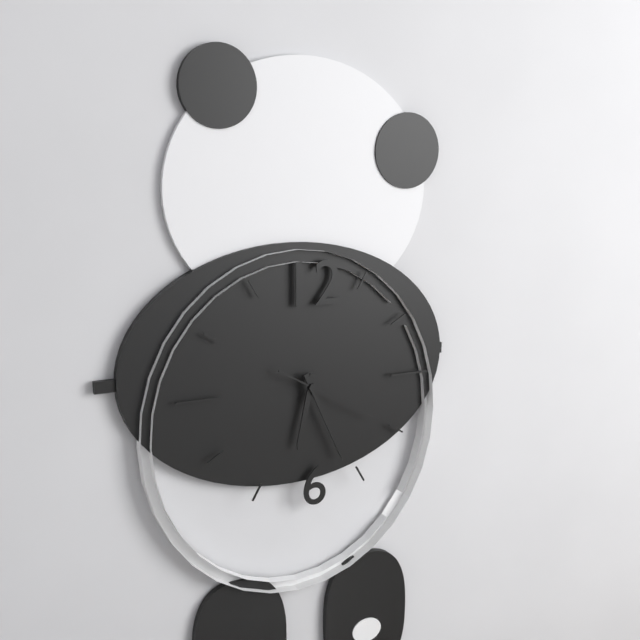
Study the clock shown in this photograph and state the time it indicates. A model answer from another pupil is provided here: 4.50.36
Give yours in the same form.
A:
6.26.20
